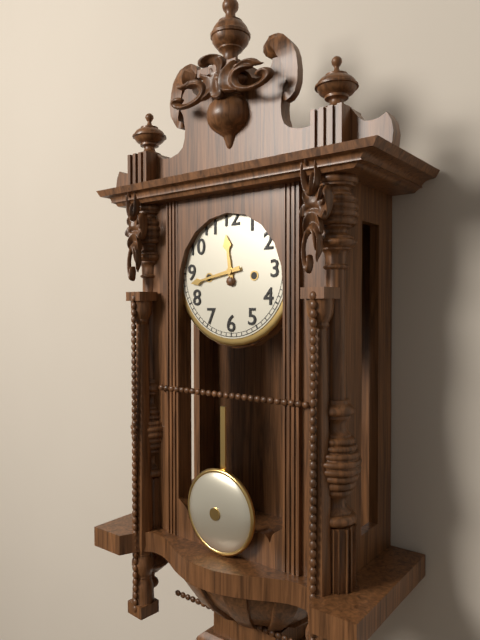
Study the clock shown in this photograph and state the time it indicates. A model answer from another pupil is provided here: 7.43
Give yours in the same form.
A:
11.43
